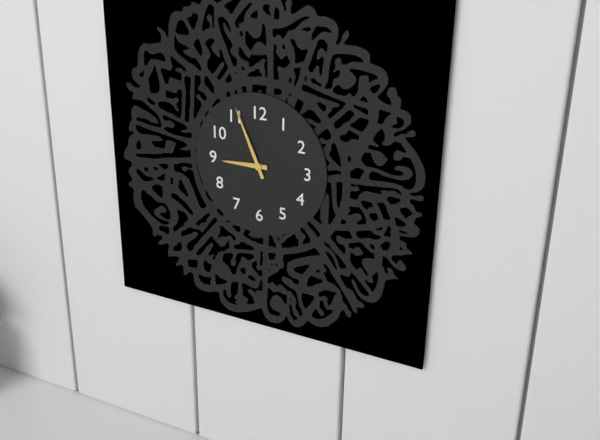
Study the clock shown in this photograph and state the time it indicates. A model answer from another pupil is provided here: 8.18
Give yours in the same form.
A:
8.56
